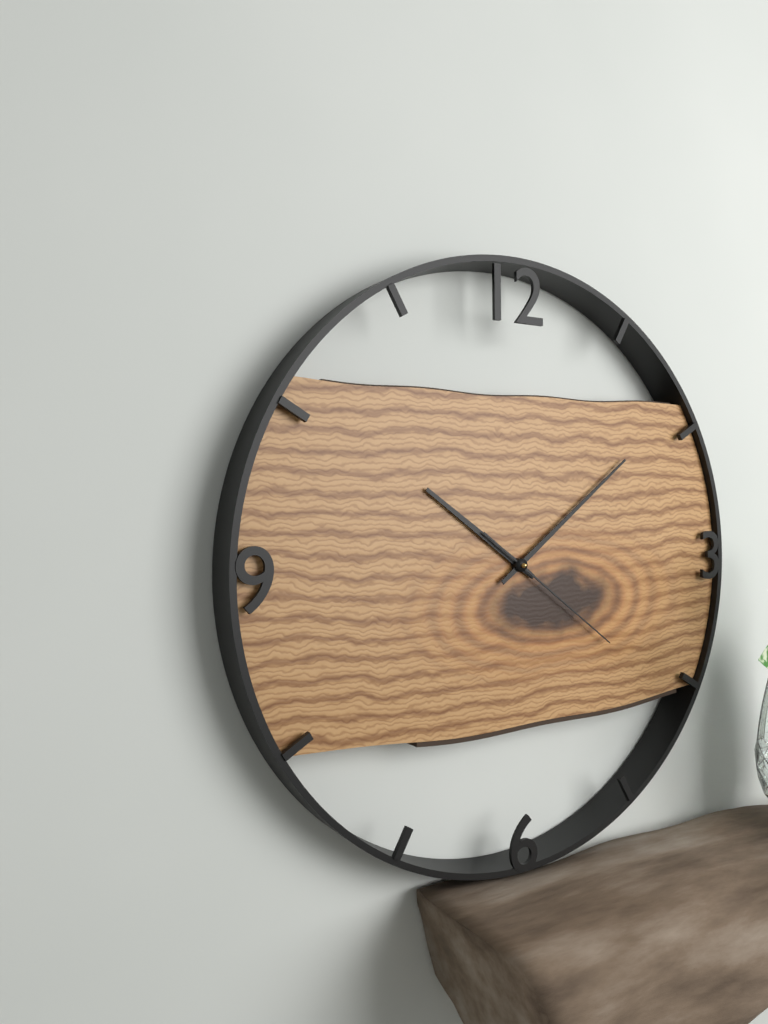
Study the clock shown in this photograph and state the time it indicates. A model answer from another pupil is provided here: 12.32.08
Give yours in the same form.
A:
10.09.21
